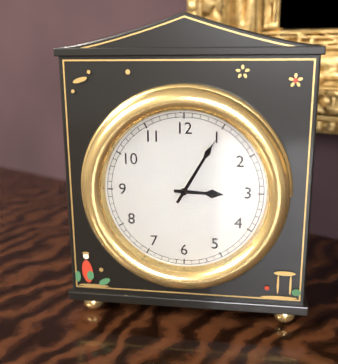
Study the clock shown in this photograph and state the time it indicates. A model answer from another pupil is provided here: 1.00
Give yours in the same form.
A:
3.05
